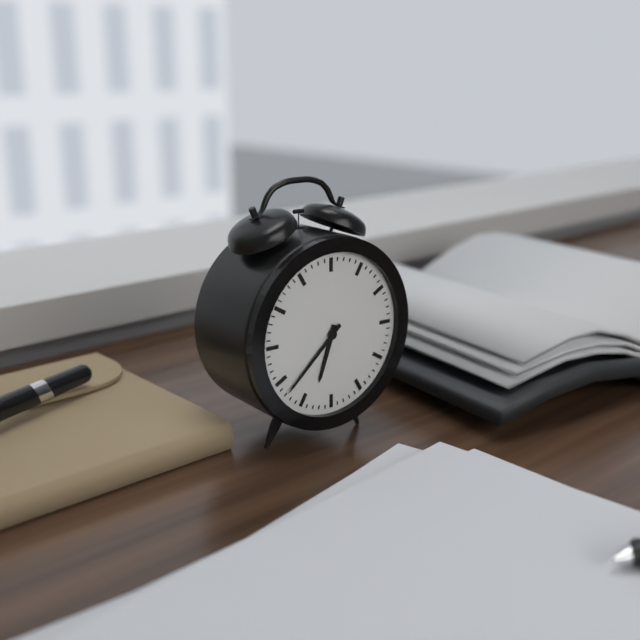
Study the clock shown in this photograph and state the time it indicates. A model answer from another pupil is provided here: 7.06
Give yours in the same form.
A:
6.38
